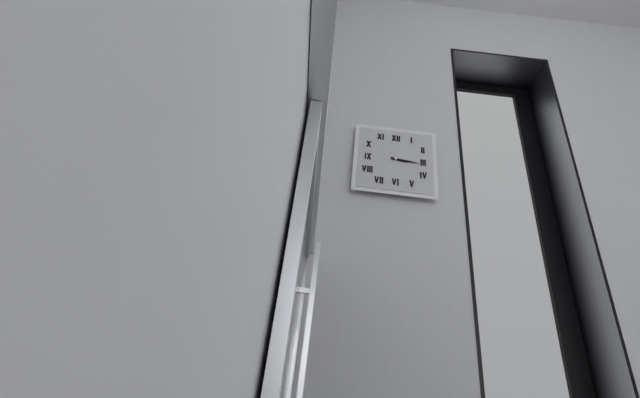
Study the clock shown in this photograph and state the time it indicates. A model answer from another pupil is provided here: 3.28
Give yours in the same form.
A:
3.16
